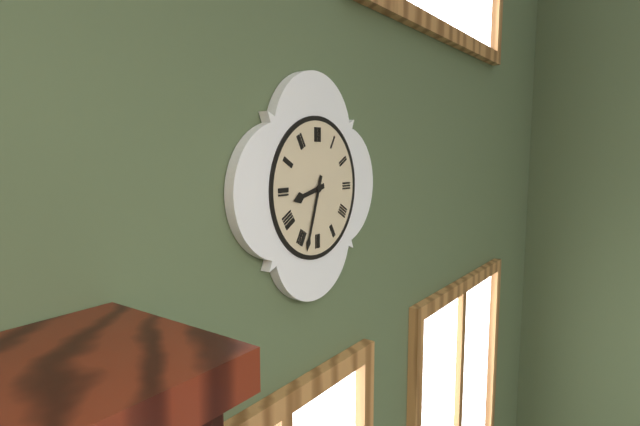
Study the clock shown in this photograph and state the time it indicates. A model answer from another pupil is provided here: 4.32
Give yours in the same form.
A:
8.33
